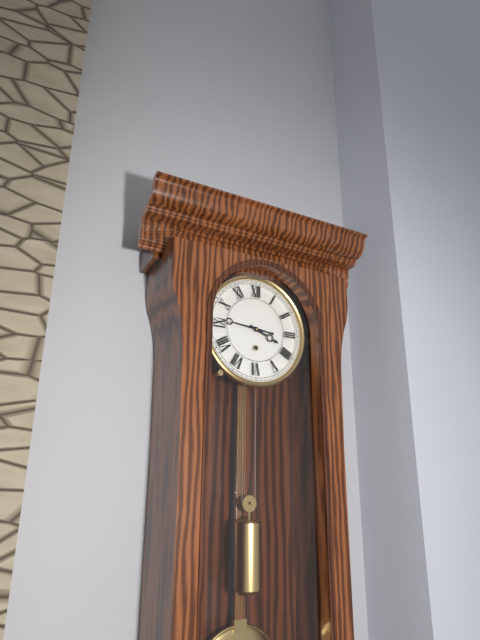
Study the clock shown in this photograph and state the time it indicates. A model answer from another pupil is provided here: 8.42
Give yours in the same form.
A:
3.46
